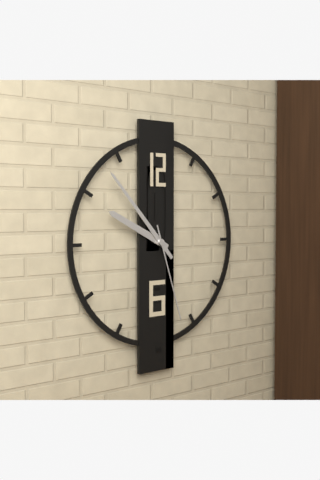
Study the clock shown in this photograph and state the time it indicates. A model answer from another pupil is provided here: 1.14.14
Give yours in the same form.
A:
9.53.27
